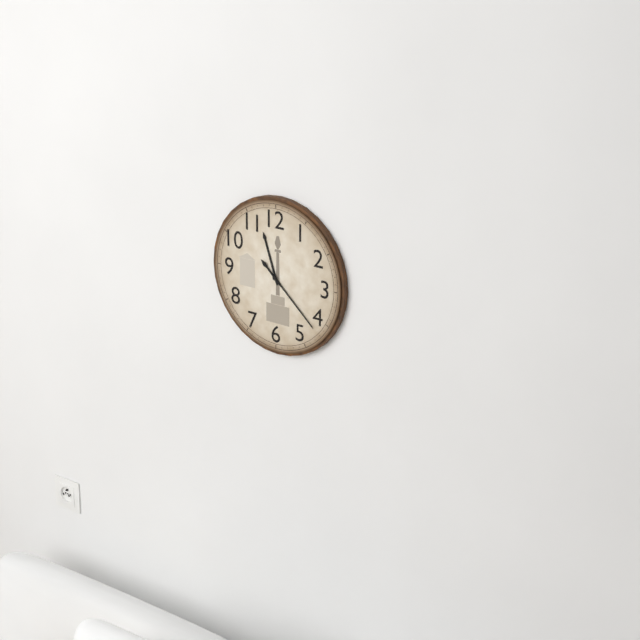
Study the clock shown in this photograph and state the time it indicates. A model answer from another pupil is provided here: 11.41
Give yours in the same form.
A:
11.22
